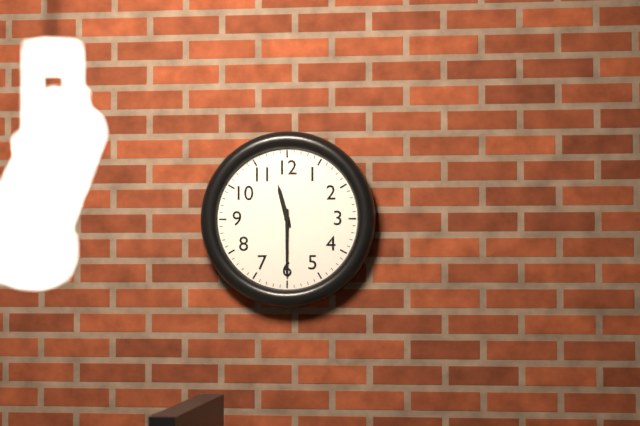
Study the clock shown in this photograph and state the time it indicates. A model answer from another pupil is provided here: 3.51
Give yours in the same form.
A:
11.30
